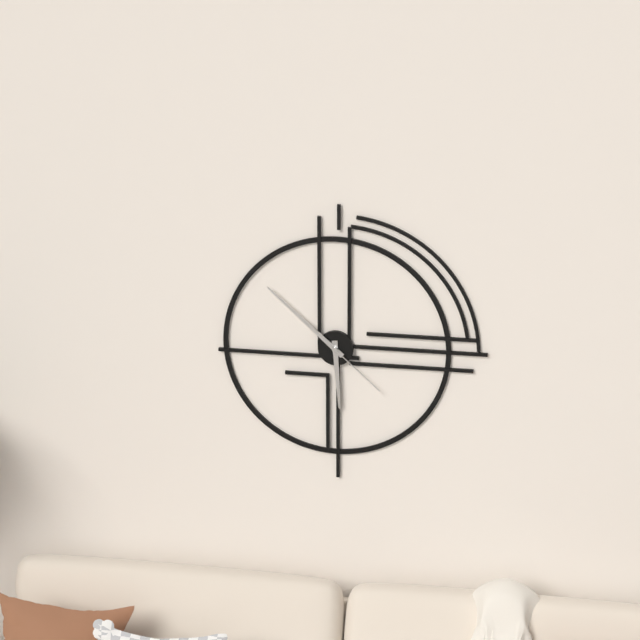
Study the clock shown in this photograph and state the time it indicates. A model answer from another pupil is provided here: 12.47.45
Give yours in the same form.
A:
5.52.22
